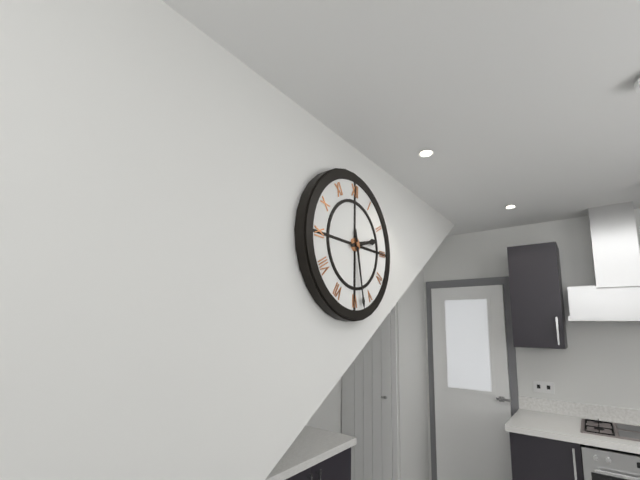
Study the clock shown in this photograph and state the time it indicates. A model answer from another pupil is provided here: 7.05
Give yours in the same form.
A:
2.28
